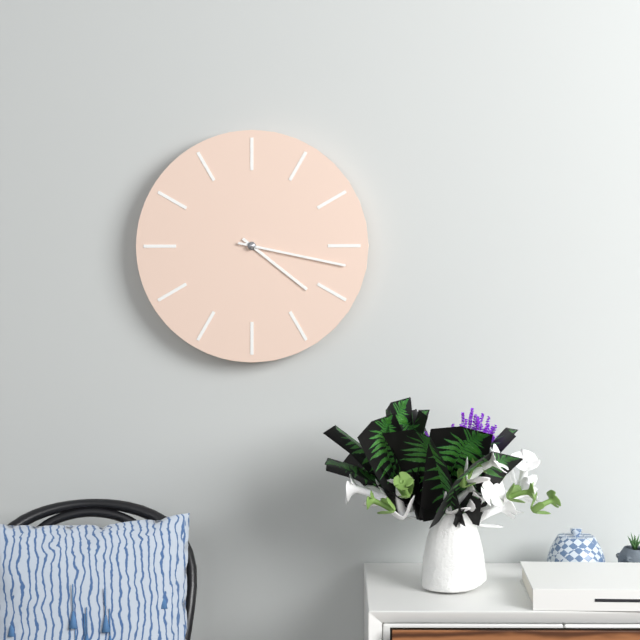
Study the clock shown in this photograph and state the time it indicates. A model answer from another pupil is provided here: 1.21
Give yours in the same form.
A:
4.17
